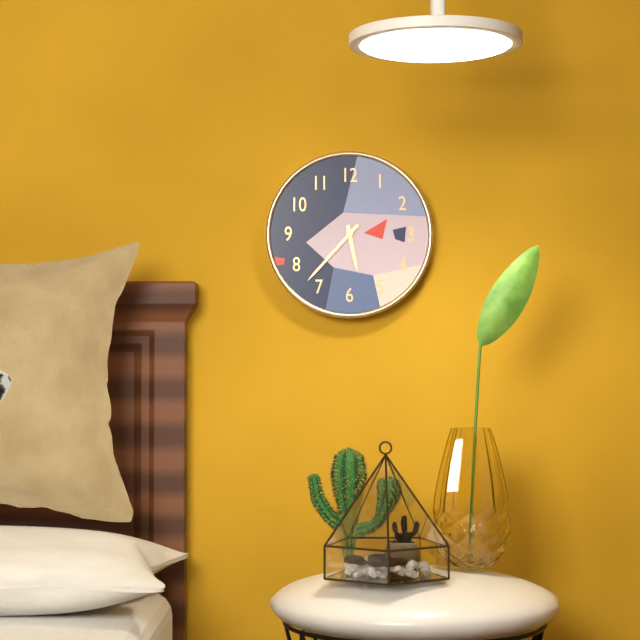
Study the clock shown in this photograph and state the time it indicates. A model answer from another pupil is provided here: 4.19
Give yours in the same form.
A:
5.37
